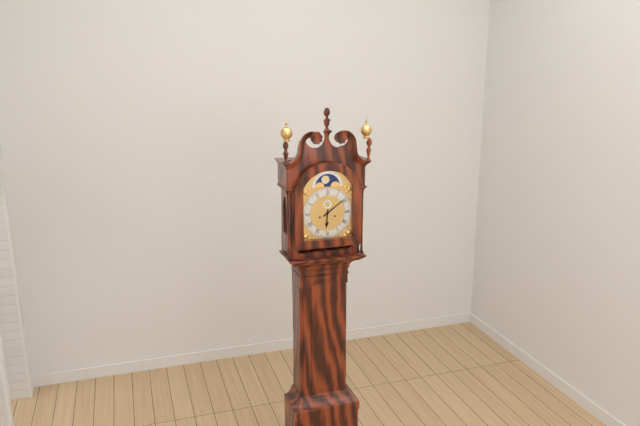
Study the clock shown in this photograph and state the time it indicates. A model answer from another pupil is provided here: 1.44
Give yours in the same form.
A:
6.09
